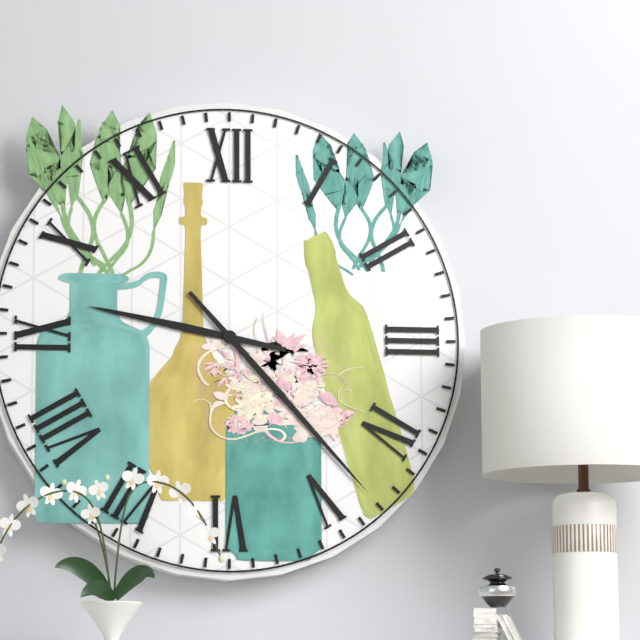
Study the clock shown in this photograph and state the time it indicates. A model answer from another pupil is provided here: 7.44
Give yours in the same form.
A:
9.23
